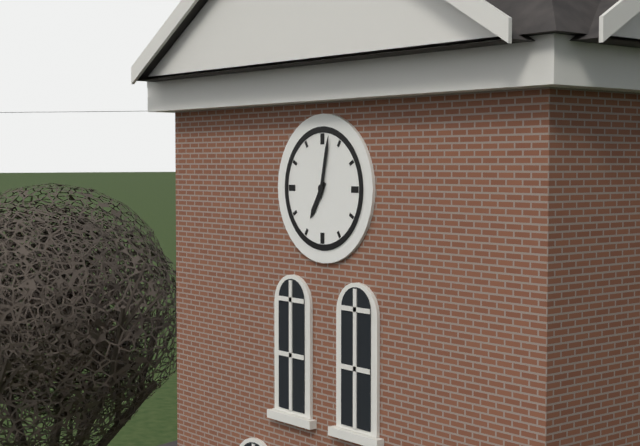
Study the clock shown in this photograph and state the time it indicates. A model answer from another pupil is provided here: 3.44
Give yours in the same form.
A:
7.02
